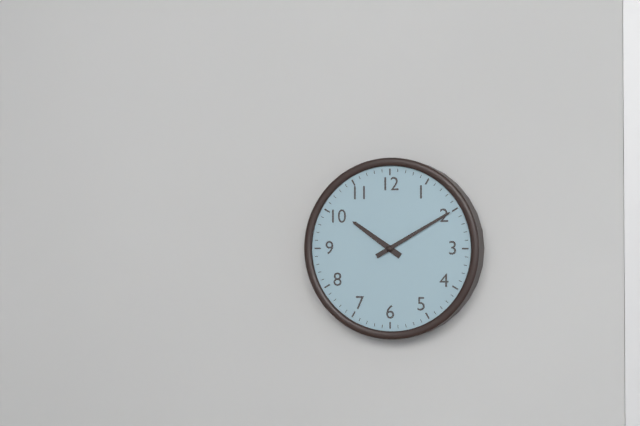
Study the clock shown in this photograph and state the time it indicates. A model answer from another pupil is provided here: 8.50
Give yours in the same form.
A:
10.10
